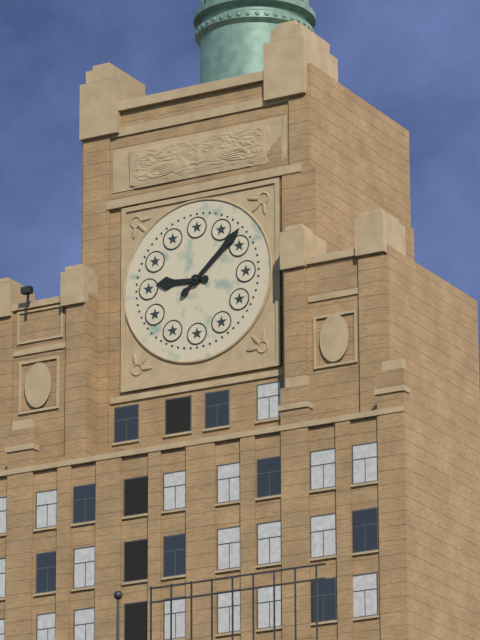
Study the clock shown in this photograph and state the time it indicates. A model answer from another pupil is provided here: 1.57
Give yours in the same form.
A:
9.08
